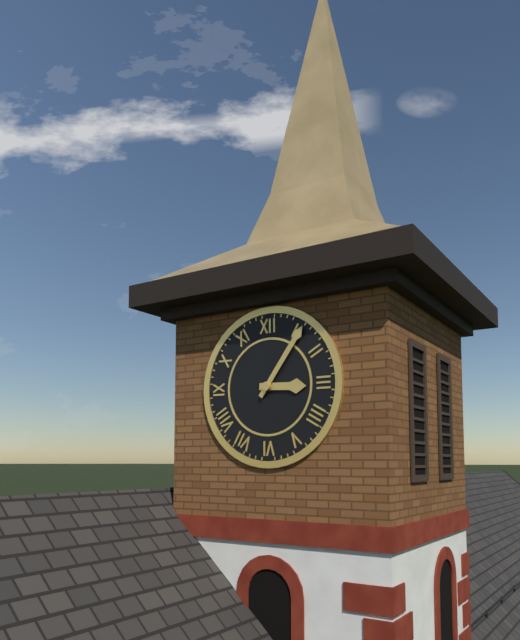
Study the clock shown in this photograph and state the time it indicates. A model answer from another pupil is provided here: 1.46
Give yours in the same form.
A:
3.06
